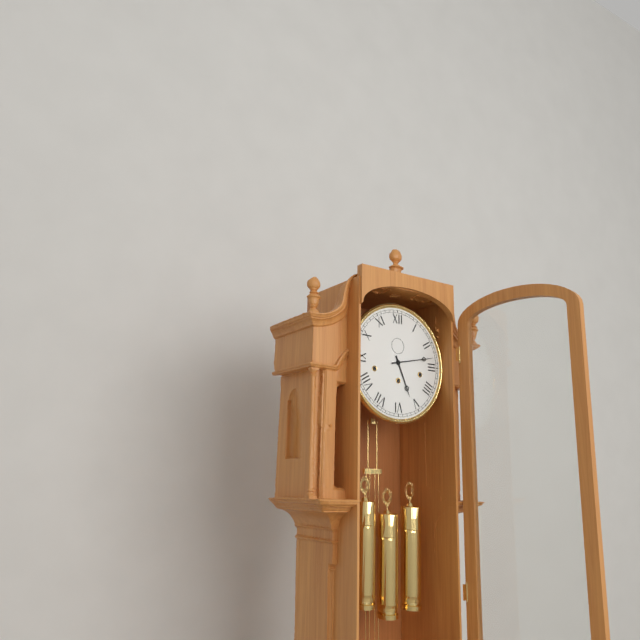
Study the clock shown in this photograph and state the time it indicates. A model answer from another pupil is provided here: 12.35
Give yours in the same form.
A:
5.13
